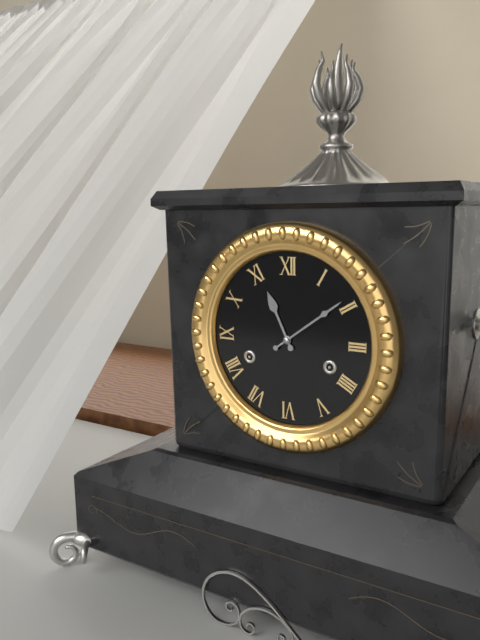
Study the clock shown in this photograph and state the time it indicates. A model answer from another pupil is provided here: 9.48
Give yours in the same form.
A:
11.09
